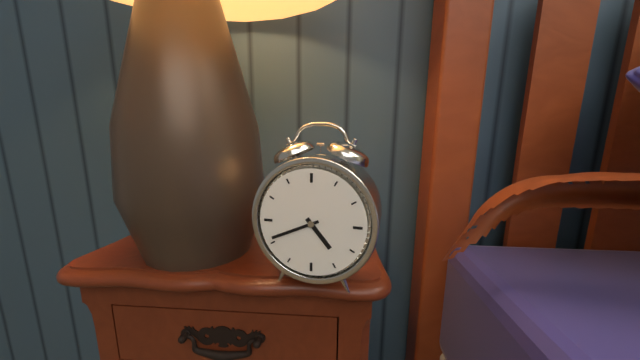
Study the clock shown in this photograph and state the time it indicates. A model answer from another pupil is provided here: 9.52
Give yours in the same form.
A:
4.41
